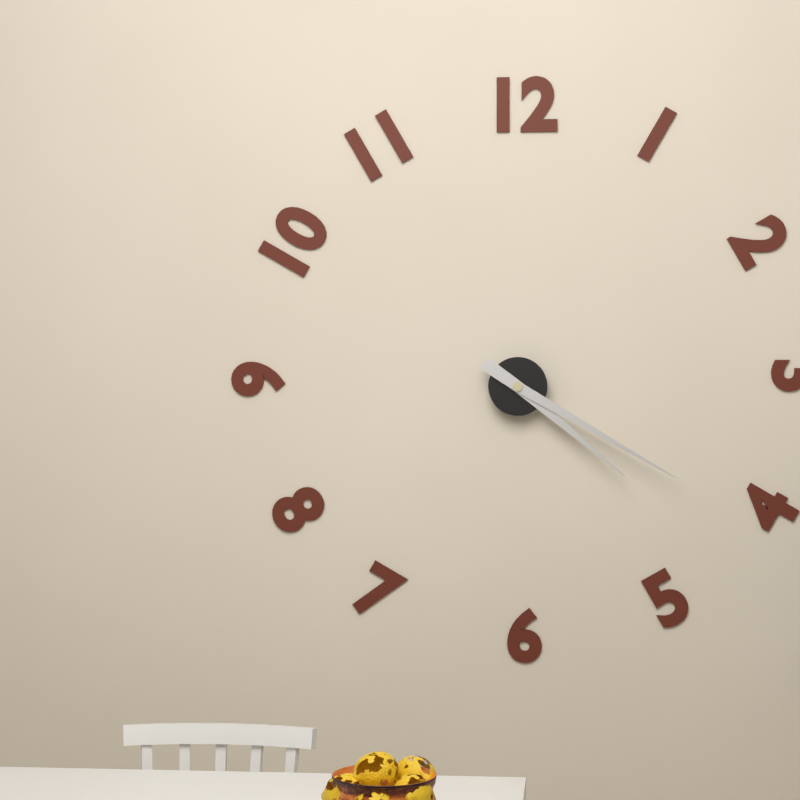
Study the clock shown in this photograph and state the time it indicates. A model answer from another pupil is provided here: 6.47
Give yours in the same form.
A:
4.20
